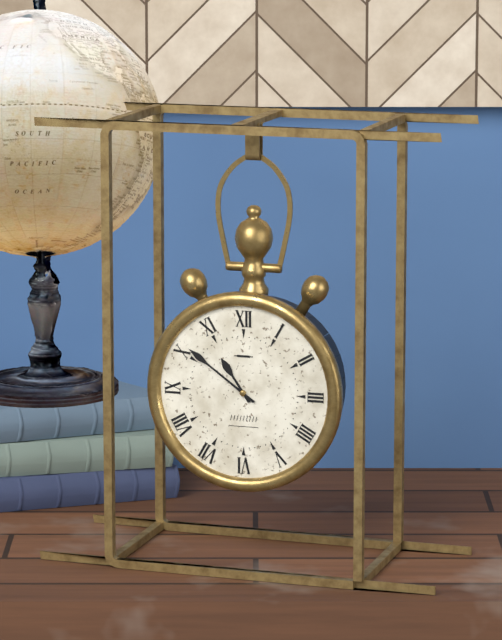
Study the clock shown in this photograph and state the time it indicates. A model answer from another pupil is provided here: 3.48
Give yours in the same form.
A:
10.51
